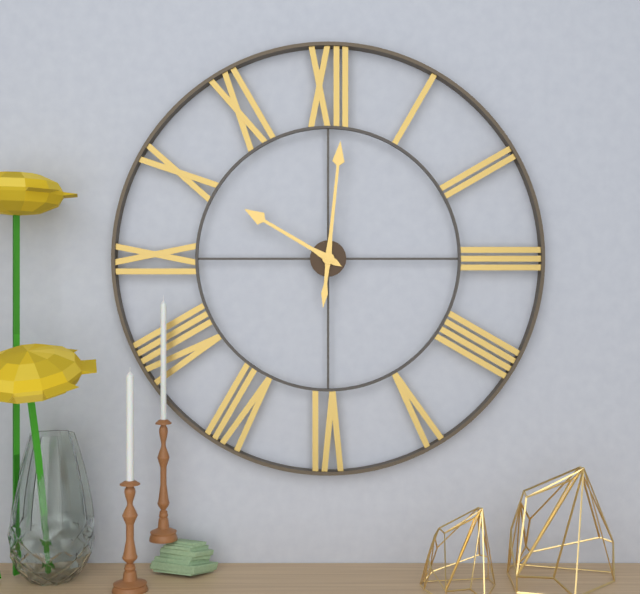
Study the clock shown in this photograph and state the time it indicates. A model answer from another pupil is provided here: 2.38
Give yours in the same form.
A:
10.01
